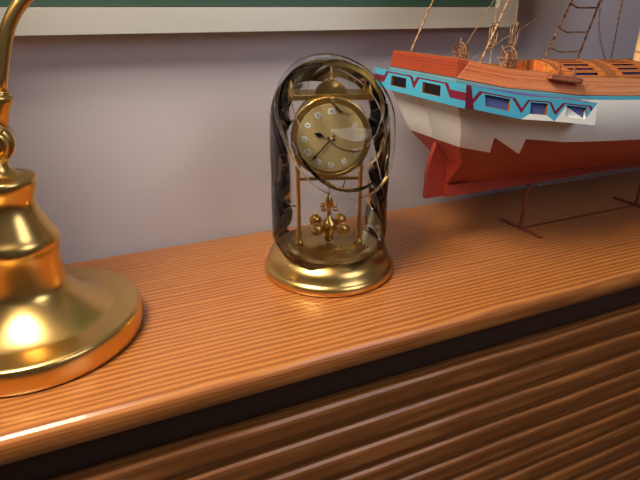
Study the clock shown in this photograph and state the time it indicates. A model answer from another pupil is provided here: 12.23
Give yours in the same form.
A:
9.37
